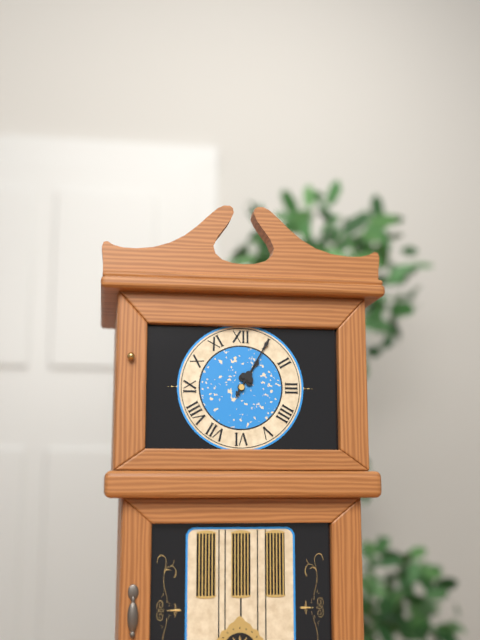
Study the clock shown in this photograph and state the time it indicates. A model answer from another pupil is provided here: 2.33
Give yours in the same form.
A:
1.05
